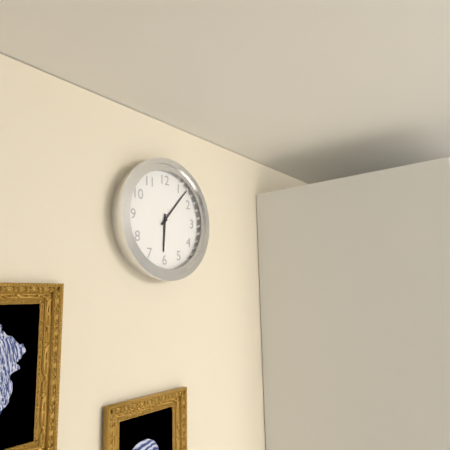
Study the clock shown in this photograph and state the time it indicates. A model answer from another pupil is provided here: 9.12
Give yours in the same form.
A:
6.07
